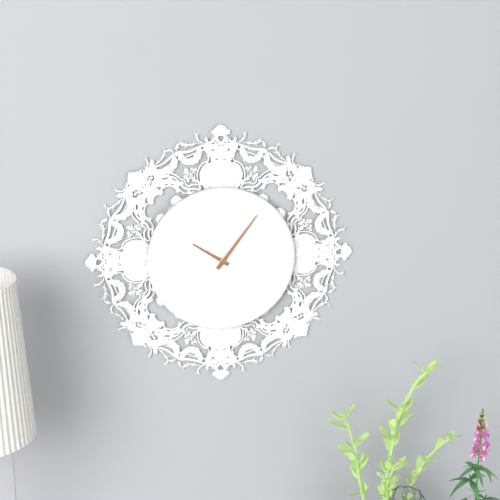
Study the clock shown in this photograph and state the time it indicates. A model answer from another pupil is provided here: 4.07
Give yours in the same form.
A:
10.06
